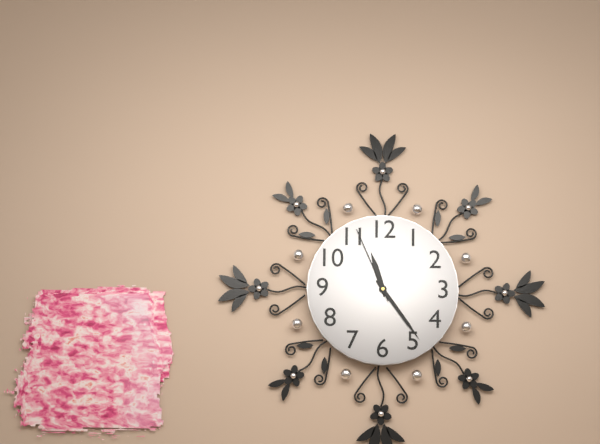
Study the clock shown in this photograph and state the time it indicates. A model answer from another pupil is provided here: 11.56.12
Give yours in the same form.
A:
11.24.56
